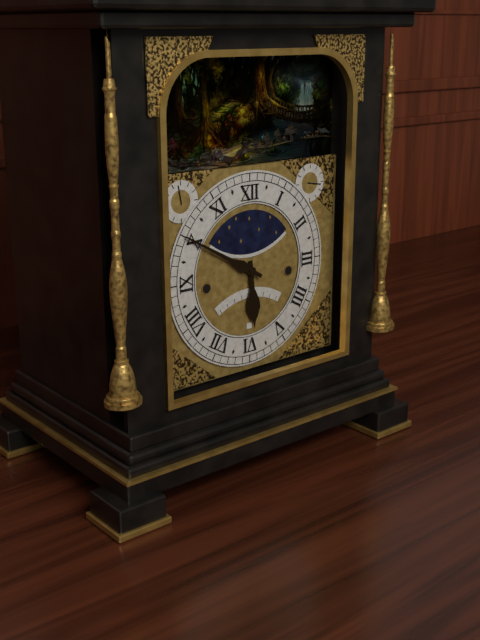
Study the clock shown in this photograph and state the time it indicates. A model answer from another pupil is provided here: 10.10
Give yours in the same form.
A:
5.50
